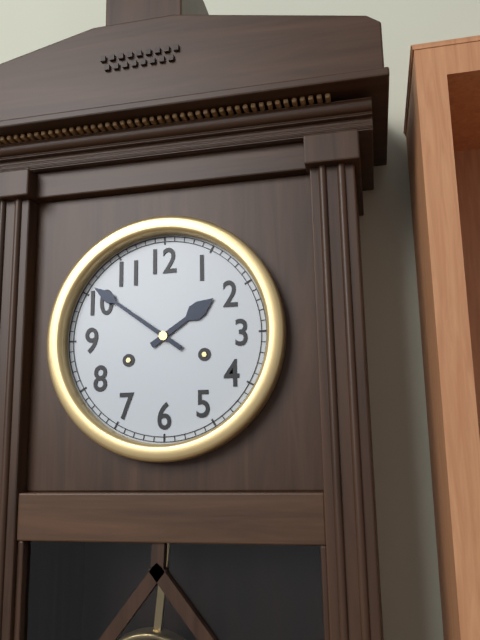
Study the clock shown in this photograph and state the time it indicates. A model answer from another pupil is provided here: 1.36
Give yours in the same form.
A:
1.51
